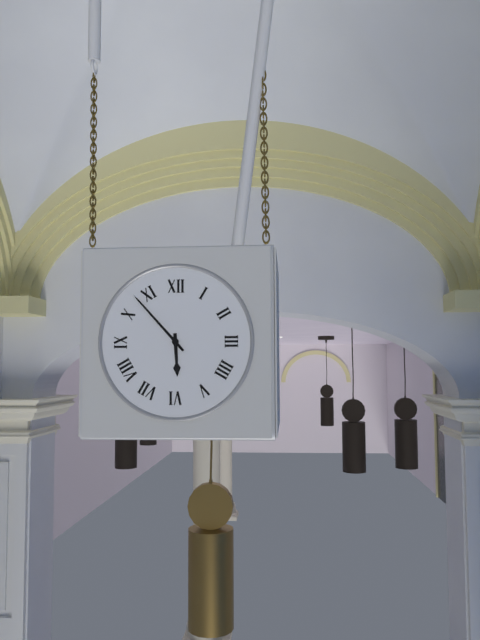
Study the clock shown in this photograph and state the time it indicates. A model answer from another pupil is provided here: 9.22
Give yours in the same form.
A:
5.53
